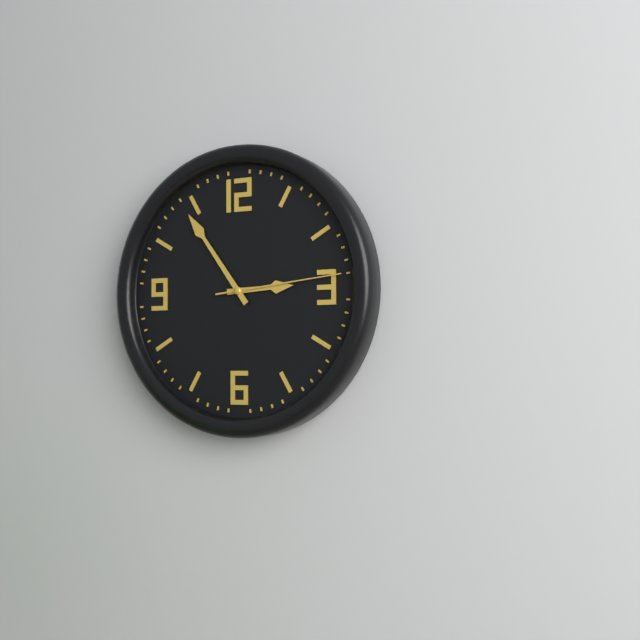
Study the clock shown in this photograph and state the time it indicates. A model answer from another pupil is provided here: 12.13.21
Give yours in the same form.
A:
2.54.14
